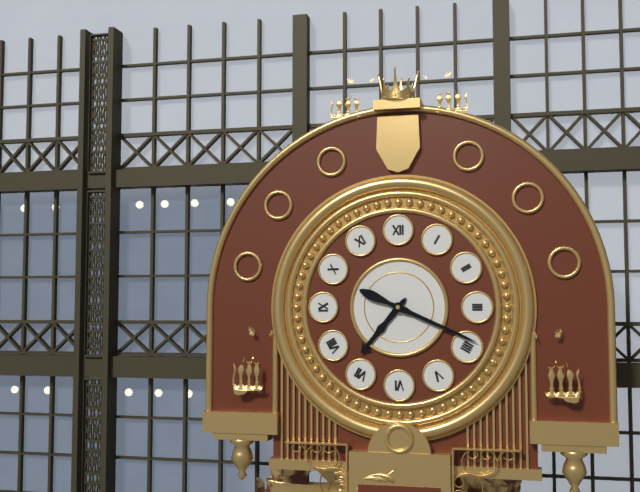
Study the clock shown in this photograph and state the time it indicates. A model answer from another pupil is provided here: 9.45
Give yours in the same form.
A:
7.19
